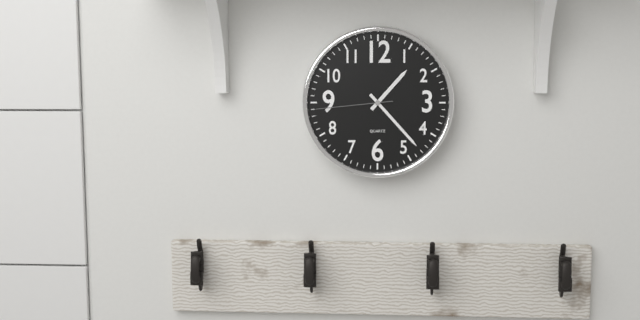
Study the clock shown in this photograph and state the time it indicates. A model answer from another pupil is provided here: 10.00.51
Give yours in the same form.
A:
1.23.44
